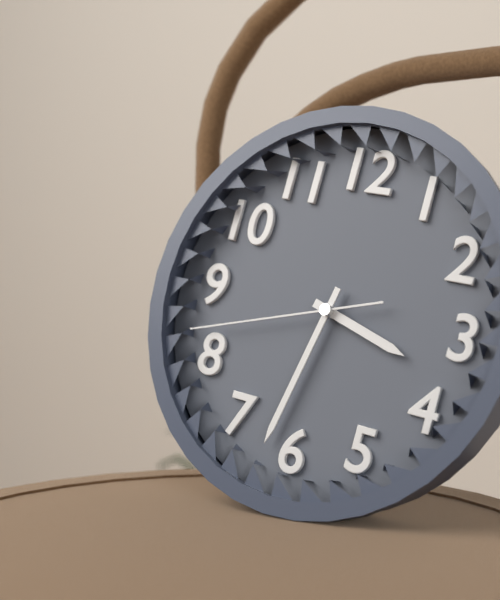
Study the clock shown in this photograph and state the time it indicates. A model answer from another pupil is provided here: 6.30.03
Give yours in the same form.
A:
3.32.42
